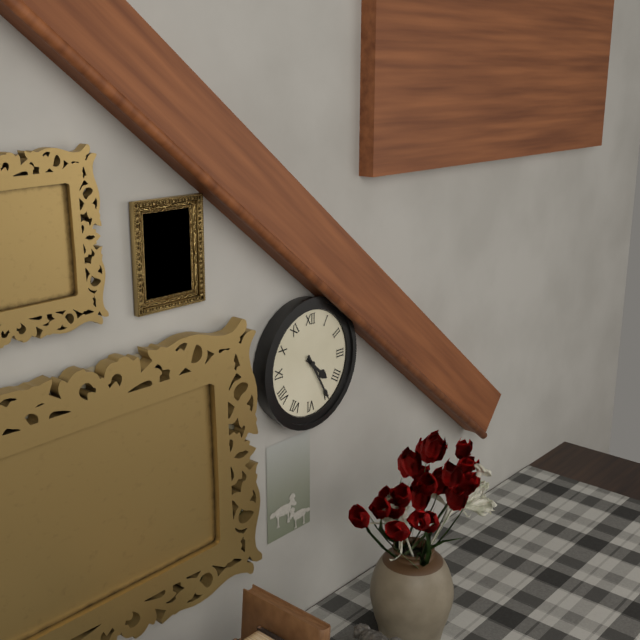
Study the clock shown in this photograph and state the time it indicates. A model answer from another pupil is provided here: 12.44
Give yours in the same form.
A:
4.25
